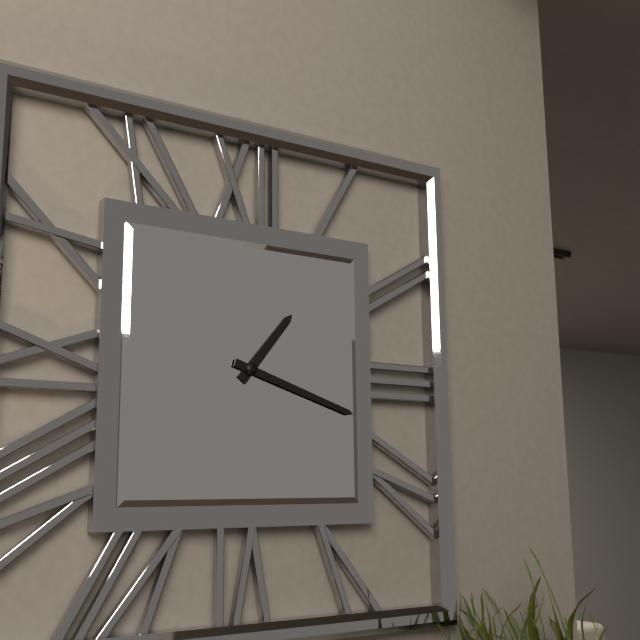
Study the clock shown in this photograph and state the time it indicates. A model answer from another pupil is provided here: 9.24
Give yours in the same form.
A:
1.18
